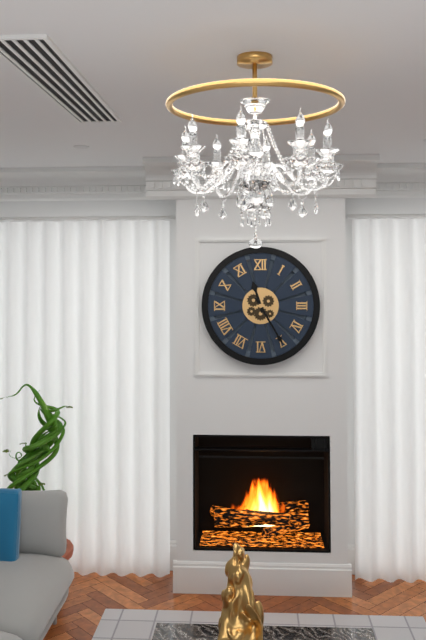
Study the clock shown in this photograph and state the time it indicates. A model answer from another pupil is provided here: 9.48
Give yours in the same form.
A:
11.25
